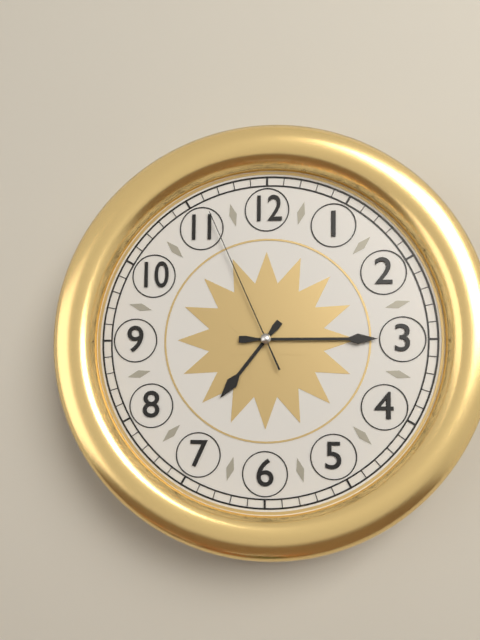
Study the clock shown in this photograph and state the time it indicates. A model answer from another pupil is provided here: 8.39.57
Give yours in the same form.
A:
7.15.56
